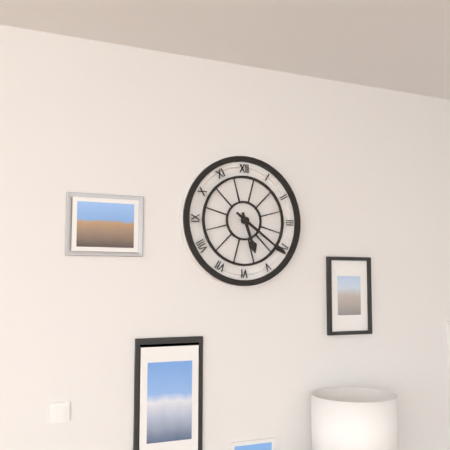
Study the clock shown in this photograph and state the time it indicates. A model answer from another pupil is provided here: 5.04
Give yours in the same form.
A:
5.21
